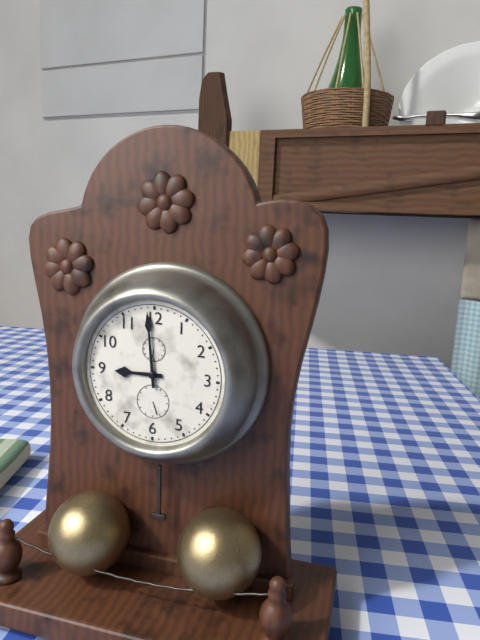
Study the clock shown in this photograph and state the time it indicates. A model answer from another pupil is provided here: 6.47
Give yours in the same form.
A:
8.59
